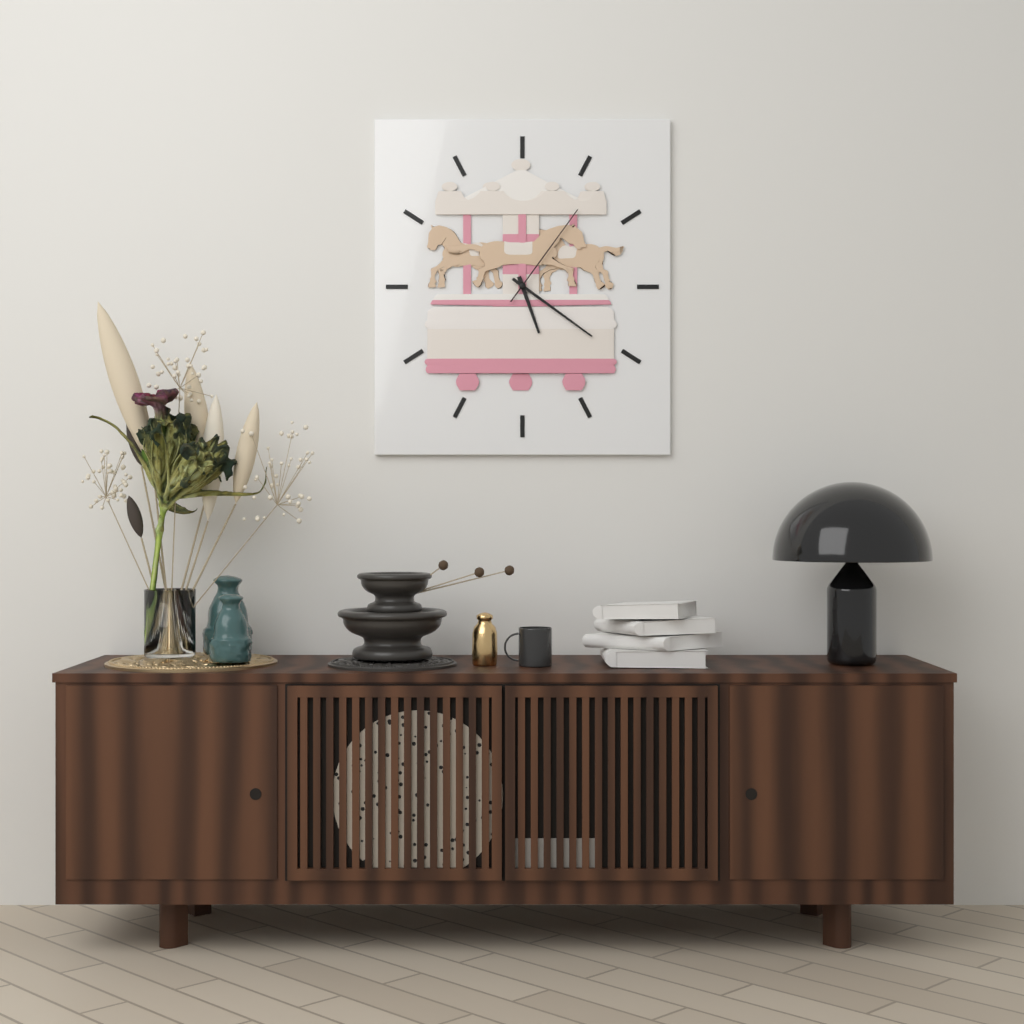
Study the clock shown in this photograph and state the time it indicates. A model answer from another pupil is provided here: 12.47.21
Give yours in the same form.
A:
5.21.06
